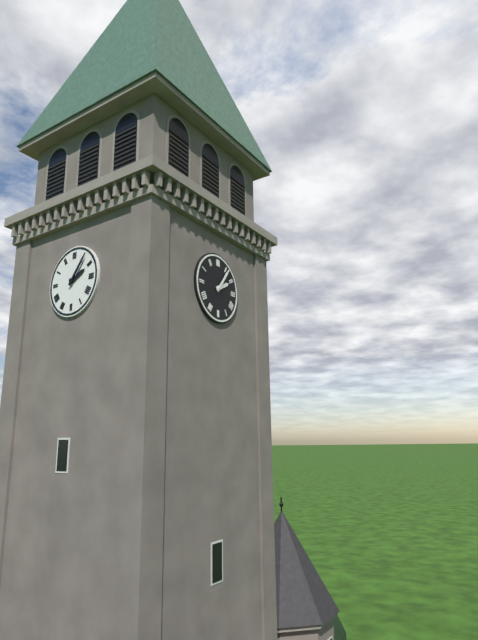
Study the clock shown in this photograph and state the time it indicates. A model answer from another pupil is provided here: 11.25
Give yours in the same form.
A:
2.06
